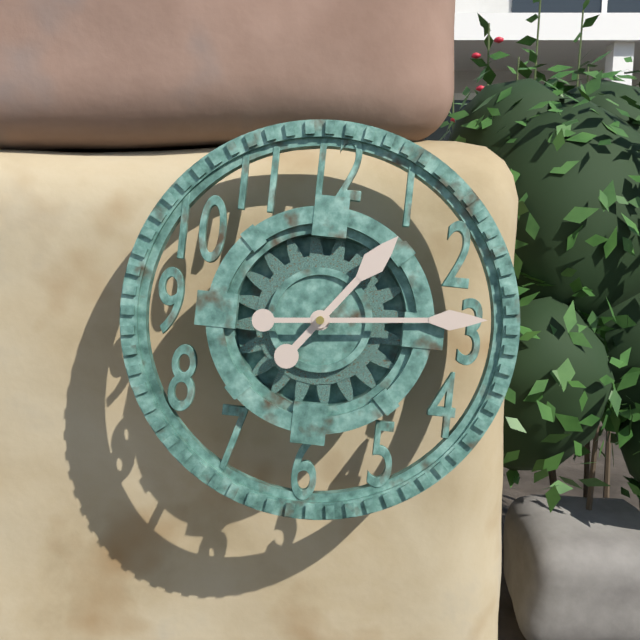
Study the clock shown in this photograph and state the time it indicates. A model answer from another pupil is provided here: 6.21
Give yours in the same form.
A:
1.14
